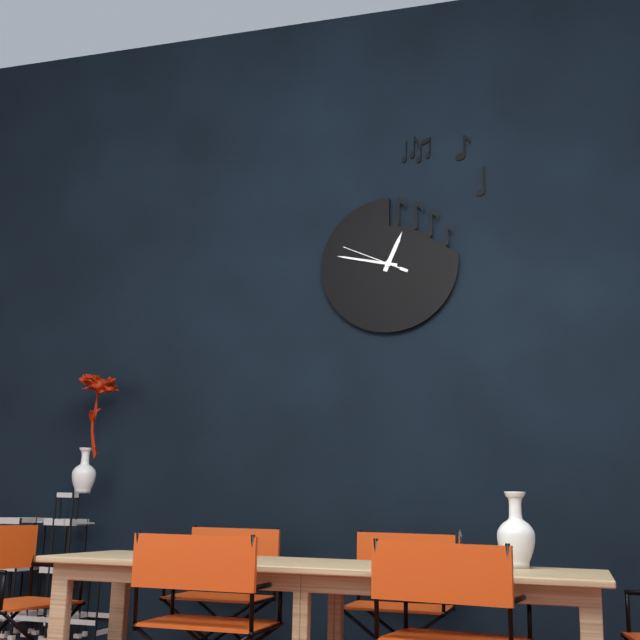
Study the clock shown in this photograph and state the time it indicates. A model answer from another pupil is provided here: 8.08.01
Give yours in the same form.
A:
12.47.49
